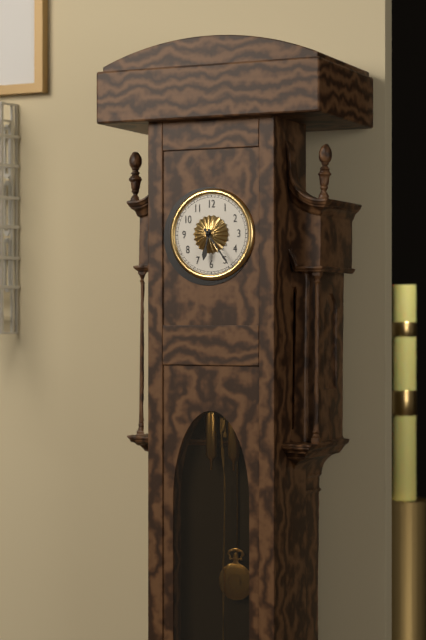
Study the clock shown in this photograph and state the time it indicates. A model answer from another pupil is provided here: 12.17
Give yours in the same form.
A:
6.24
